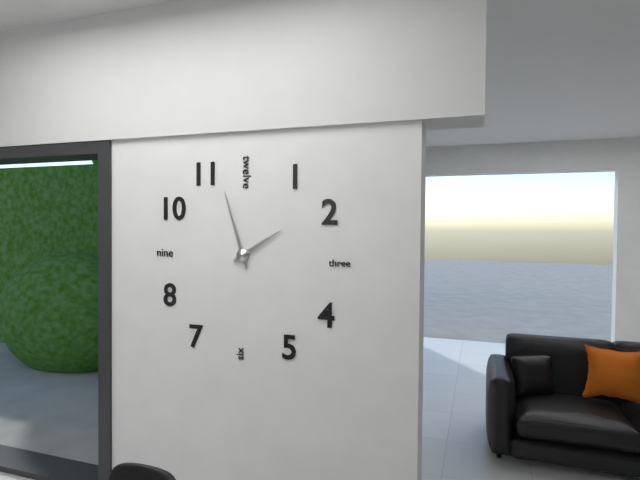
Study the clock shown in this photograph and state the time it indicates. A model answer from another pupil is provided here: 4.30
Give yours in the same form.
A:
1.57
